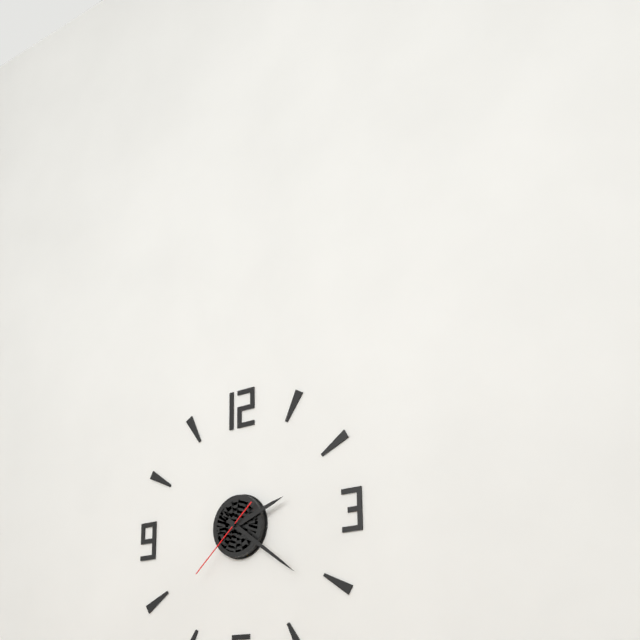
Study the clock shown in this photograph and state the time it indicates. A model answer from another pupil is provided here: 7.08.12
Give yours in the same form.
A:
2.21.38
